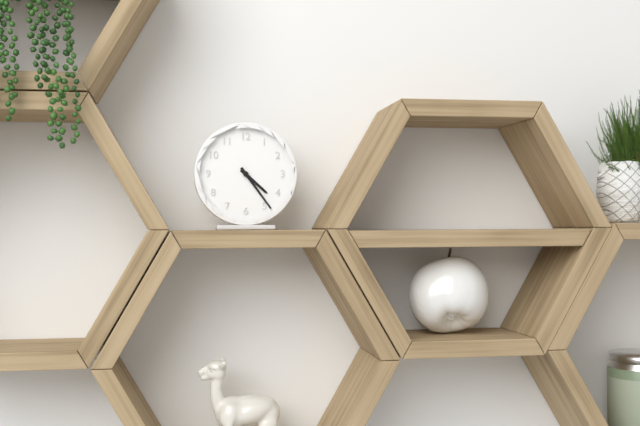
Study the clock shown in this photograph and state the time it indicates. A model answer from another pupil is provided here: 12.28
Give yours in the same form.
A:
4.24
